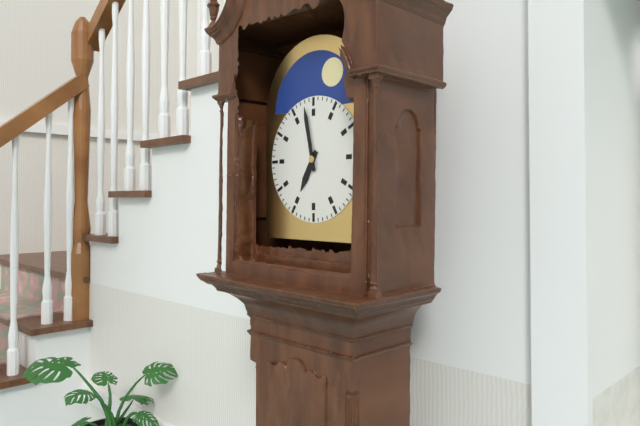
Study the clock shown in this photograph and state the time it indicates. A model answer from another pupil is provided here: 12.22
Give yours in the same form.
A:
6.58
